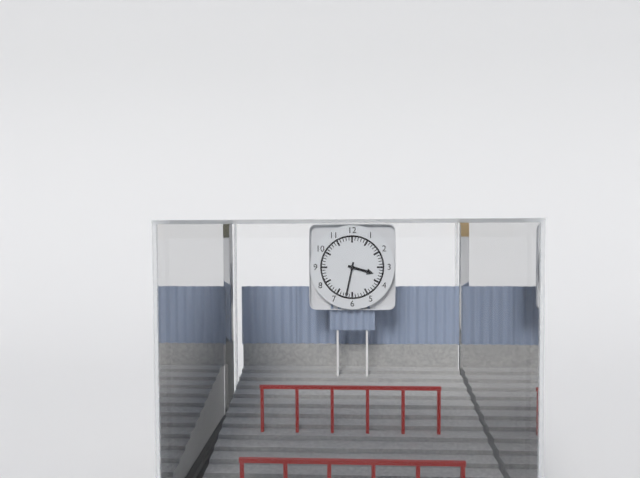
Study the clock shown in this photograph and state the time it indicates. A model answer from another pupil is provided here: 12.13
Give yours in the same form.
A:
3.32
